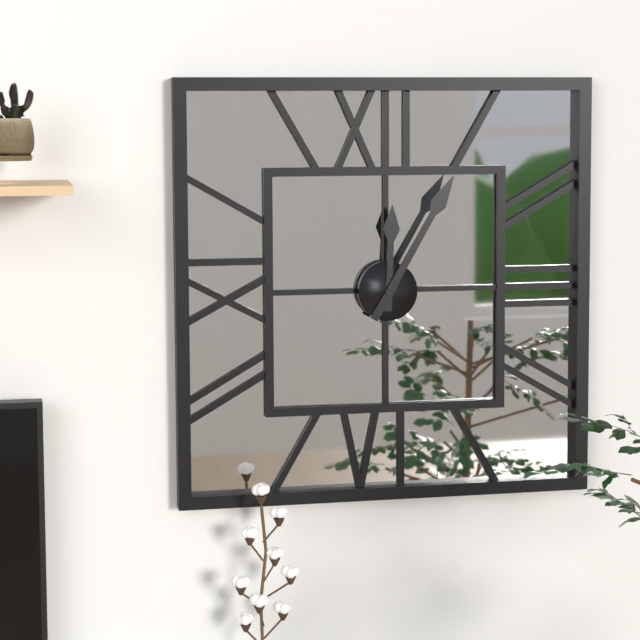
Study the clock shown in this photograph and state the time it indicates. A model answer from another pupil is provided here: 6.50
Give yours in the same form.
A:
12.05
